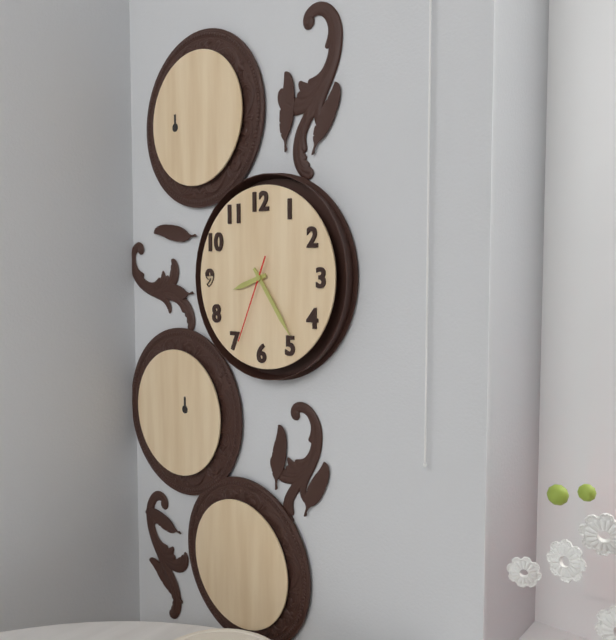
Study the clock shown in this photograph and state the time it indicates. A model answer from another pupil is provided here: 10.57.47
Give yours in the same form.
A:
8.24.34
